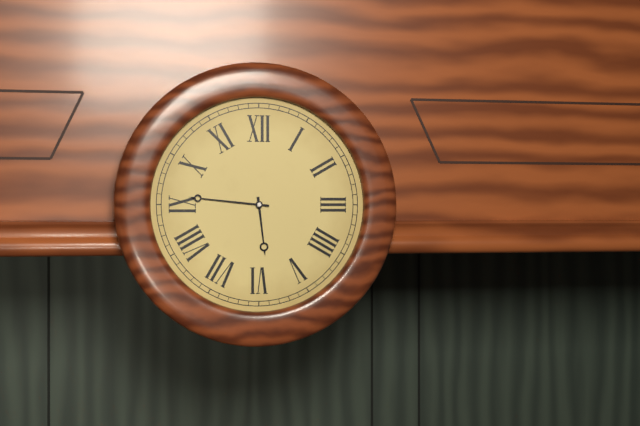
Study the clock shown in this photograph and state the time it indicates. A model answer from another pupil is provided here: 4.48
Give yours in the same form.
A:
5.46
